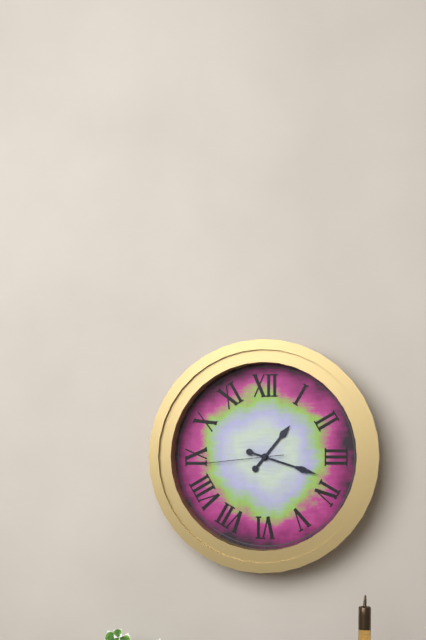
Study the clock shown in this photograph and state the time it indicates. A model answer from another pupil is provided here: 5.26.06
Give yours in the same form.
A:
1.18.44
